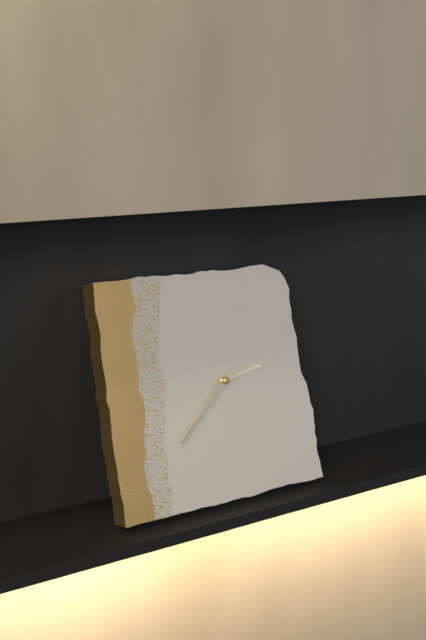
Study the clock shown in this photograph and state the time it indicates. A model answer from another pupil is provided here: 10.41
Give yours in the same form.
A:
2.38
